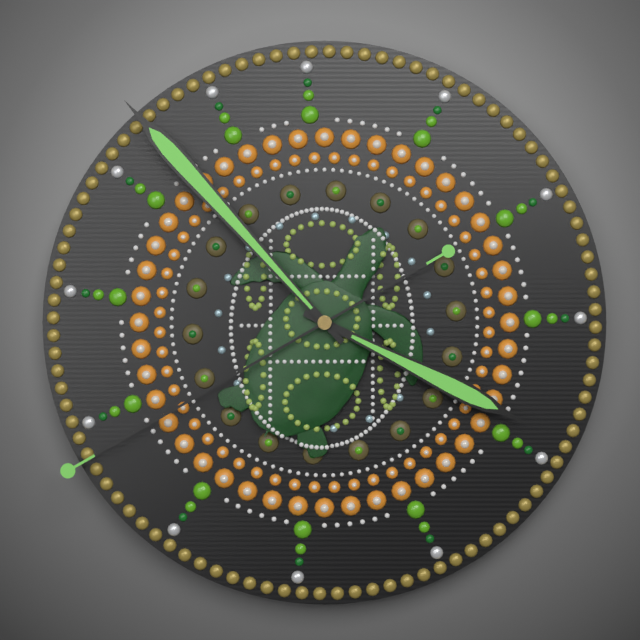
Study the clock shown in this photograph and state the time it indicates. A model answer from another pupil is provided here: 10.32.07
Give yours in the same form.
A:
3.53.40
